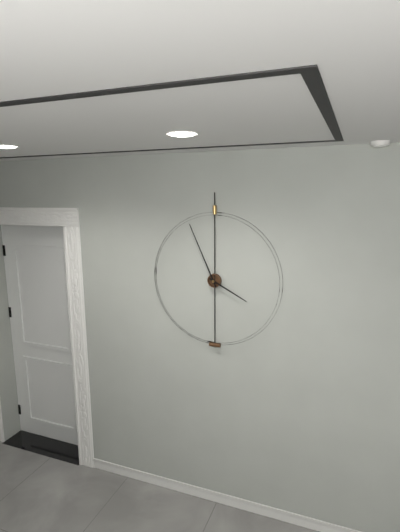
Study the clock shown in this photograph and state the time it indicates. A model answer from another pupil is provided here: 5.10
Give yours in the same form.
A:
3.56
